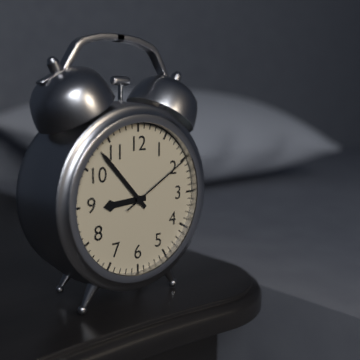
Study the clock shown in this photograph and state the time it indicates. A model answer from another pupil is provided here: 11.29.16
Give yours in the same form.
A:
8.53.10
